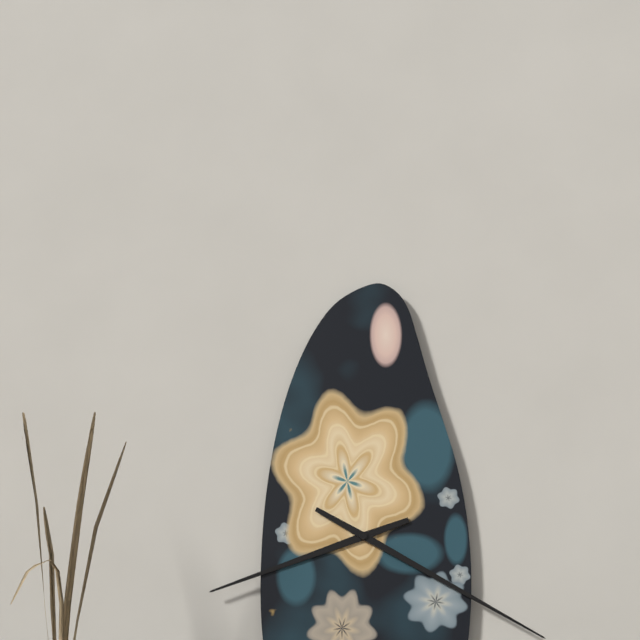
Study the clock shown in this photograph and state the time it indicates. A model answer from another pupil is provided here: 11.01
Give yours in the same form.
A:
8.20
